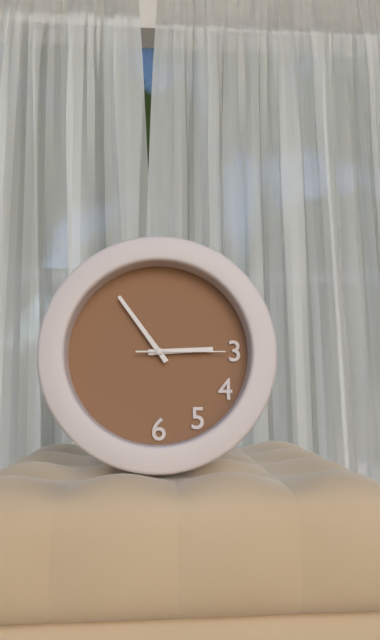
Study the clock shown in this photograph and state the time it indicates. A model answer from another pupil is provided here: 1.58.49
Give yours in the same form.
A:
2.54.15
